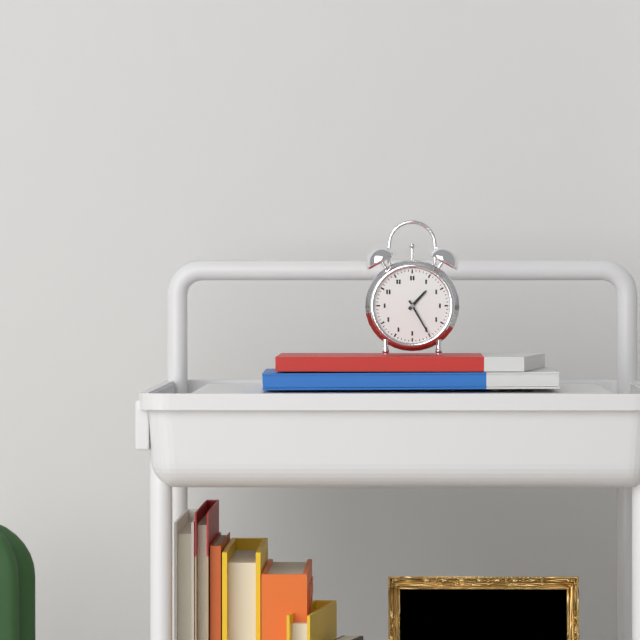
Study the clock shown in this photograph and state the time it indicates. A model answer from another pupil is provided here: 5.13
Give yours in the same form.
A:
1.25
